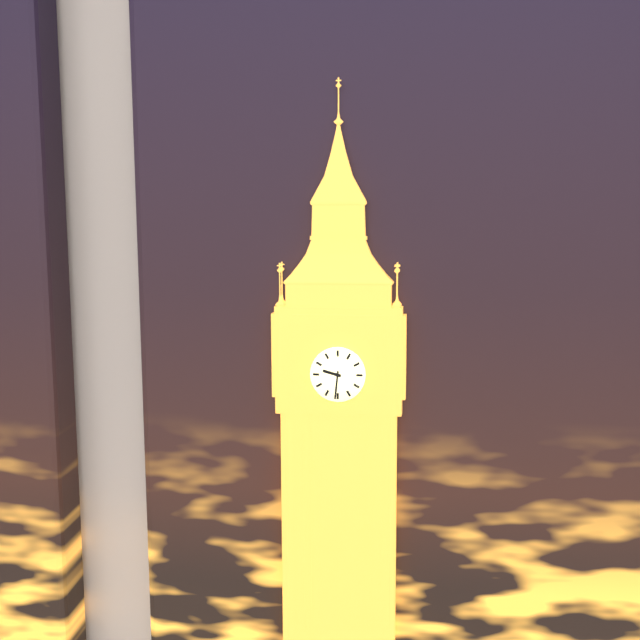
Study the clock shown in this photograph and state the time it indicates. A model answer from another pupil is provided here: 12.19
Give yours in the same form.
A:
9.31
